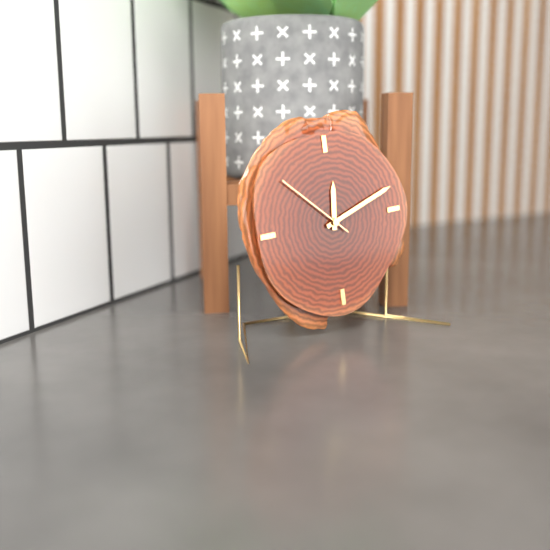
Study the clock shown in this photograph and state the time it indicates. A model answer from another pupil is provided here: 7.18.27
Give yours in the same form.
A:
12.12.52
